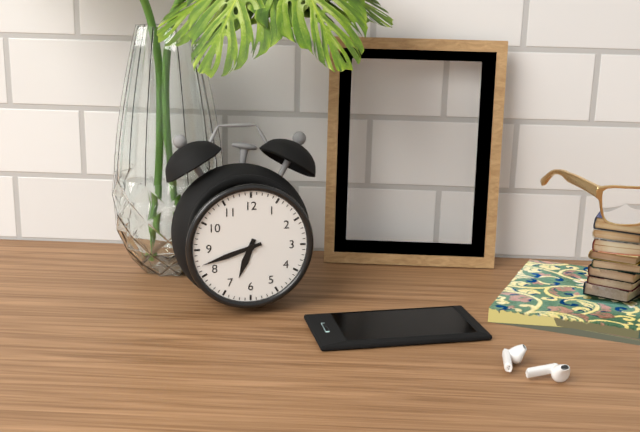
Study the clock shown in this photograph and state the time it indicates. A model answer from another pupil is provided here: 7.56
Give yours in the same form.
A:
6.42
